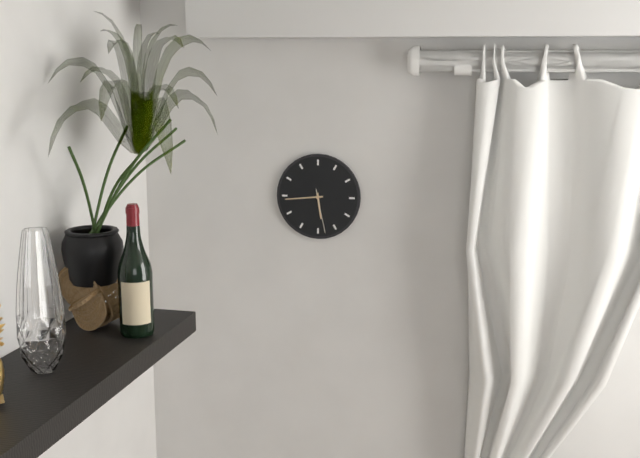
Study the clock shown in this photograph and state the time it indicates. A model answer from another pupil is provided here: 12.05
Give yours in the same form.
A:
5.44
